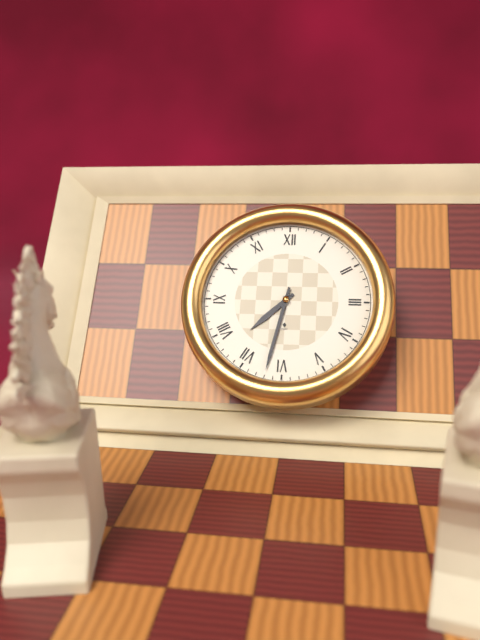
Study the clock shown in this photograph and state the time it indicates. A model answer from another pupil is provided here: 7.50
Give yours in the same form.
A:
7.32
